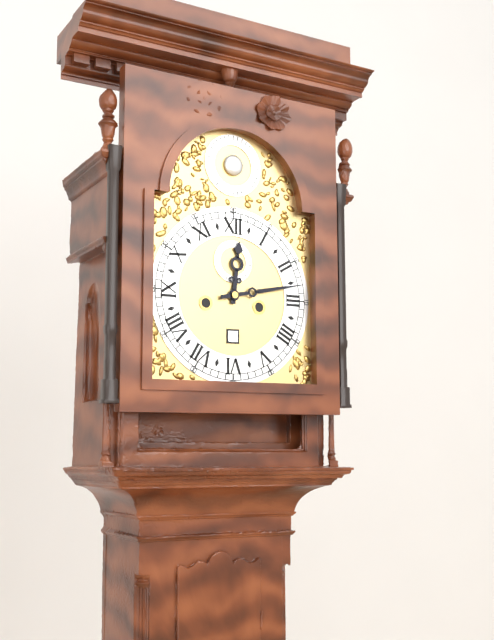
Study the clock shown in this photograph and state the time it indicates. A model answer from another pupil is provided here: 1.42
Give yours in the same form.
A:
12.13
